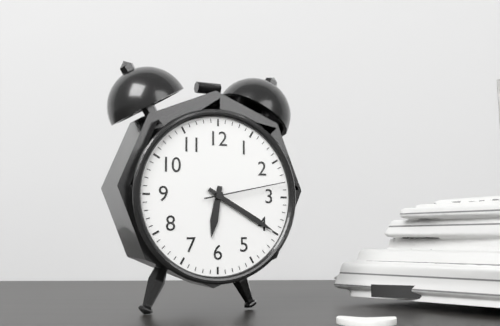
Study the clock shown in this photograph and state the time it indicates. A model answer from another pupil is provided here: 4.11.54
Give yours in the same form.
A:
6.20.13
